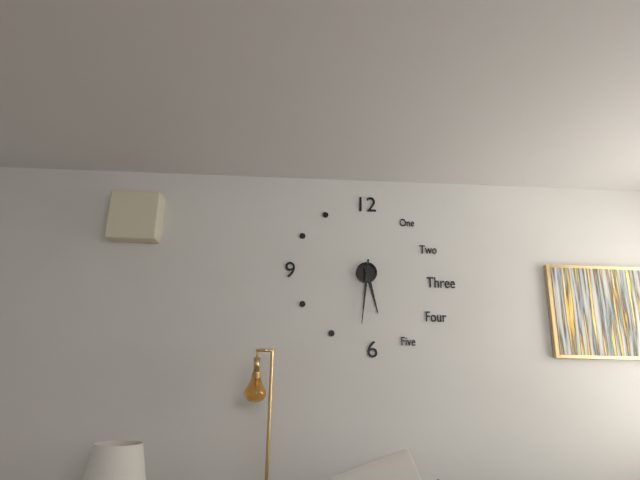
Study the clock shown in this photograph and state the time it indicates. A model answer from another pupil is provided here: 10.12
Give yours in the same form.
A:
5.31
